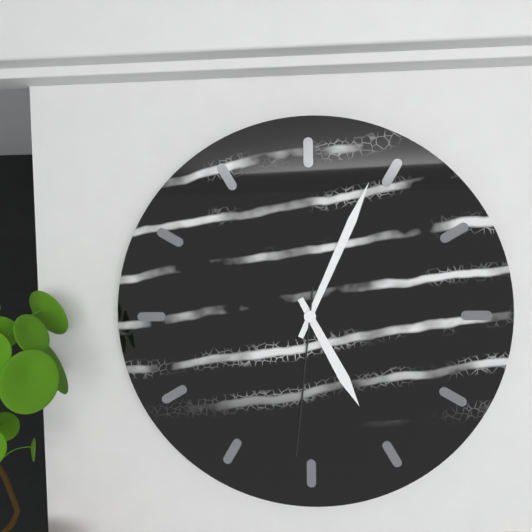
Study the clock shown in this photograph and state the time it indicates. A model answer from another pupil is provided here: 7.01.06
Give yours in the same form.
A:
5.04.31
